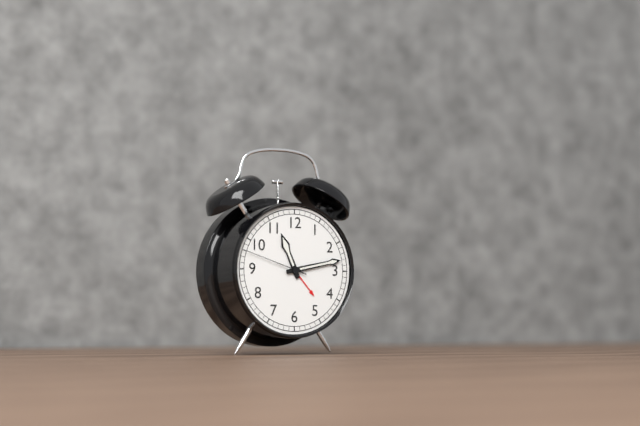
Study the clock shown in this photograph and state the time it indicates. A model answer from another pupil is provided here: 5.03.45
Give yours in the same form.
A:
11.13.48
